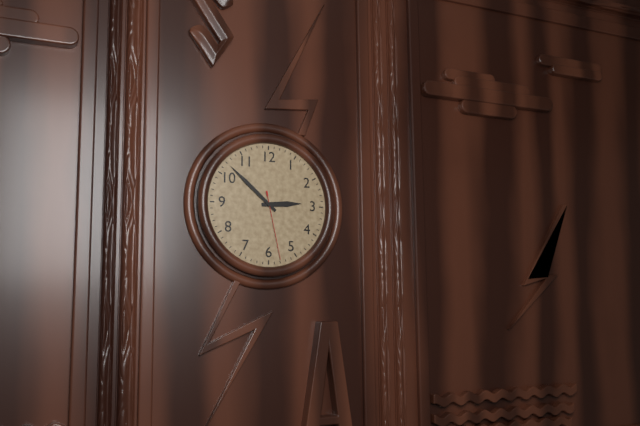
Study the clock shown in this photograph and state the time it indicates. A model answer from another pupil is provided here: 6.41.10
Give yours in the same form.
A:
2.52.28
